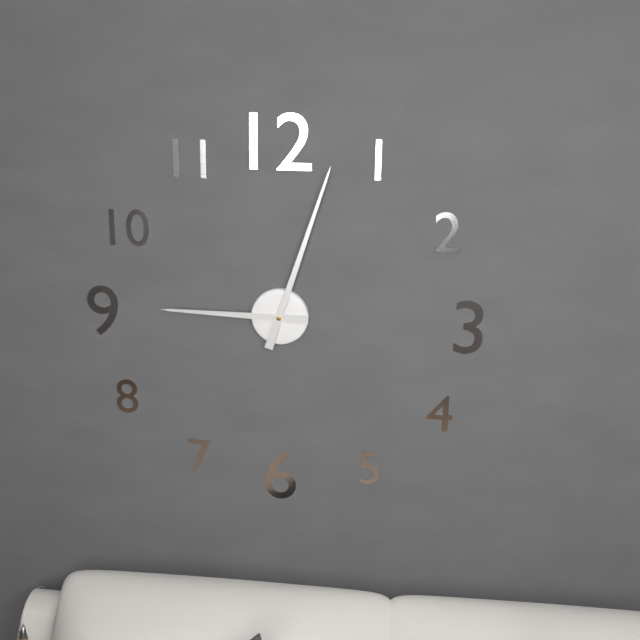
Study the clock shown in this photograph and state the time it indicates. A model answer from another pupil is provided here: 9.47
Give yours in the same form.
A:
9.03
